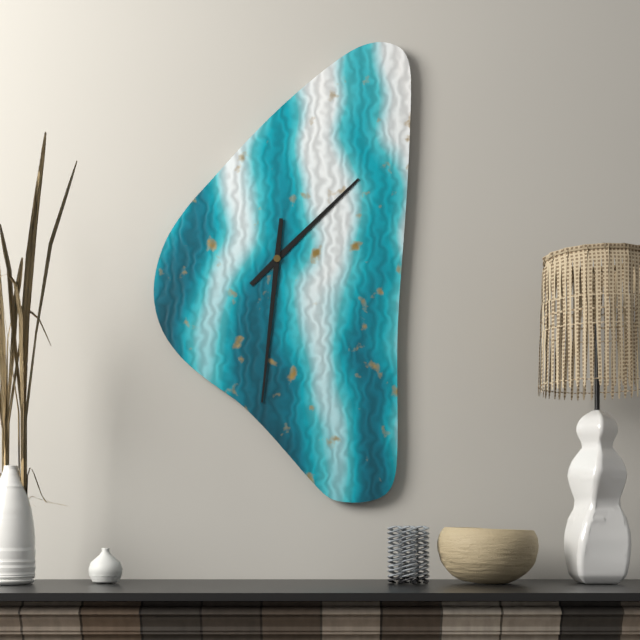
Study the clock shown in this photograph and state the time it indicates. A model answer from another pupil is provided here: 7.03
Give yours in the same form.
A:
1.31
